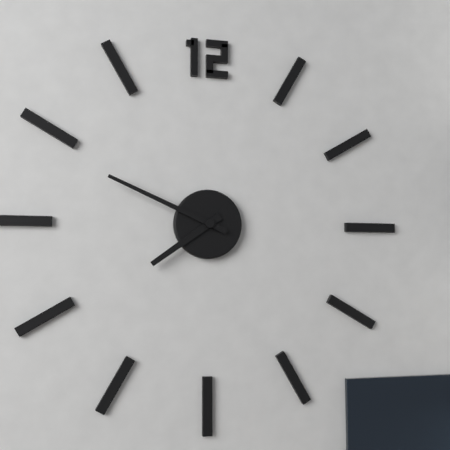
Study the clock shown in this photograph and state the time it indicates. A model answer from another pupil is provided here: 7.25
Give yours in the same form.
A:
7.49
